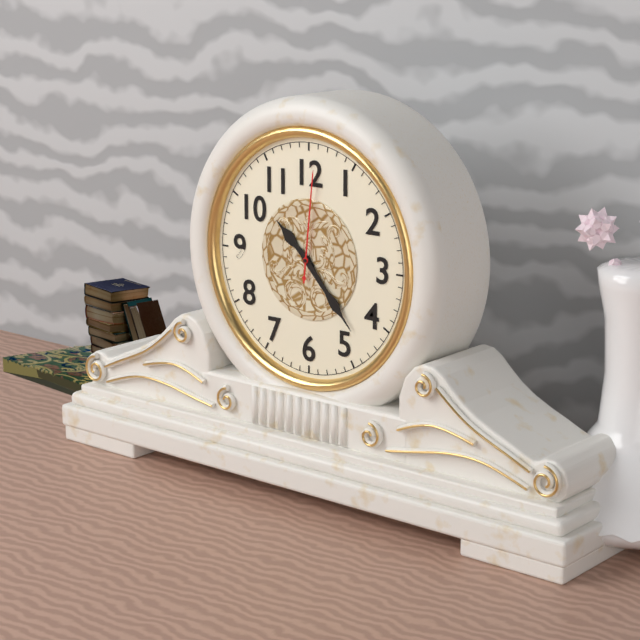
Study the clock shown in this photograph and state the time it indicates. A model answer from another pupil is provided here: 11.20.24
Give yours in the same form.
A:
10.23.01
